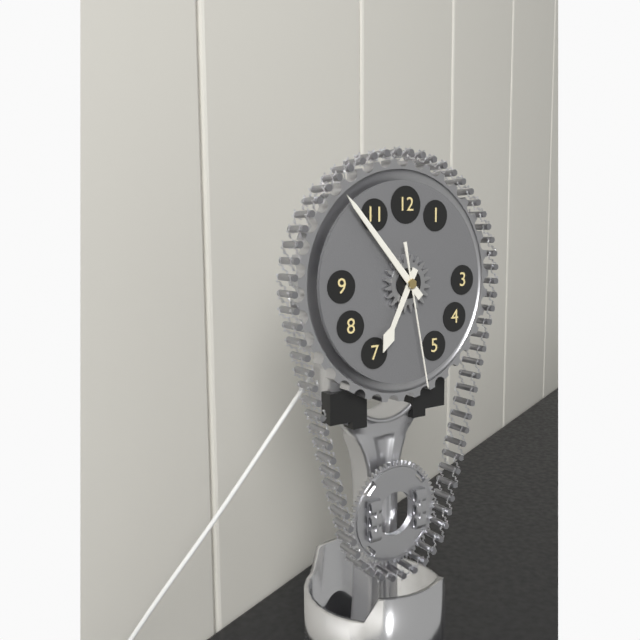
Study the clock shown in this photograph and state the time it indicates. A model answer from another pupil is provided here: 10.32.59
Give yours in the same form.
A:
6.53.28
